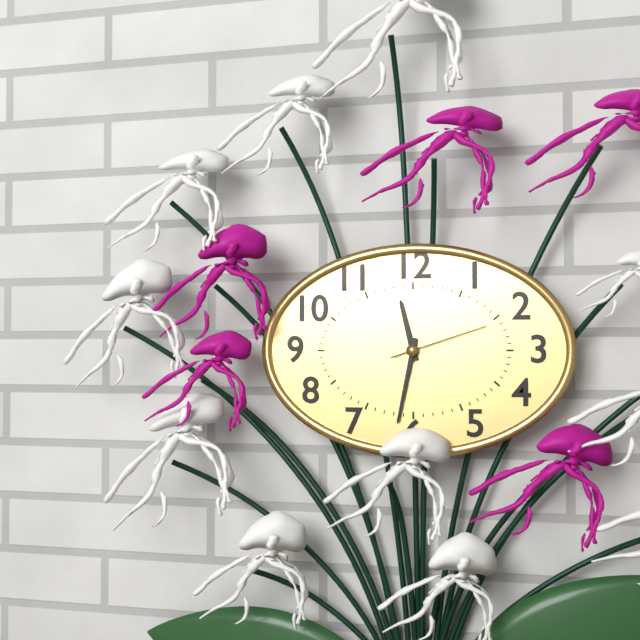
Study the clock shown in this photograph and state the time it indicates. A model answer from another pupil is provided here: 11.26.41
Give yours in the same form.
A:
11.32.12
